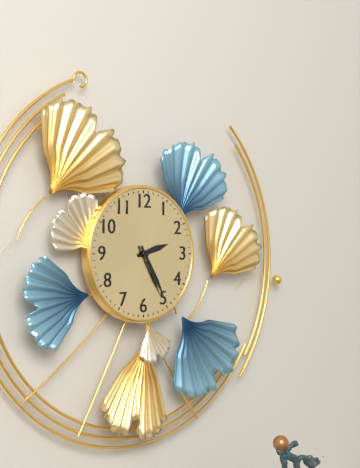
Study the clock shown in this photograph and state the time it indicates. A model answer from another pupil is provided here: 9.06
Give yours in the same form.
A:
2.25
